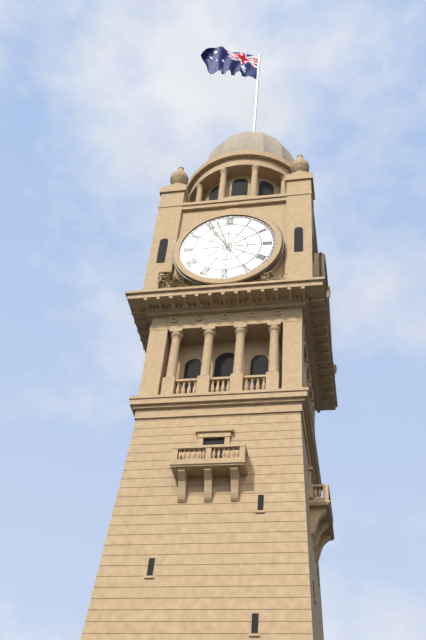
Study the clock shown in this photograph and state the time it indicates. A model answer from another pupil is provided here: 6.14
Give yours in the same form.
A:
10.57
